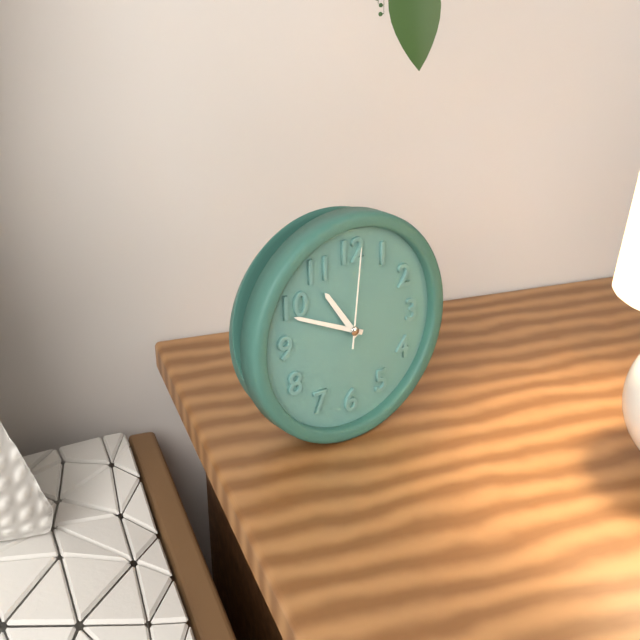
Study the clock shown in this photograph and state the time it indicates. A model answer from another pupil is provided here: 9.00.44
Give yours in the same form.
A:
10.49.01
